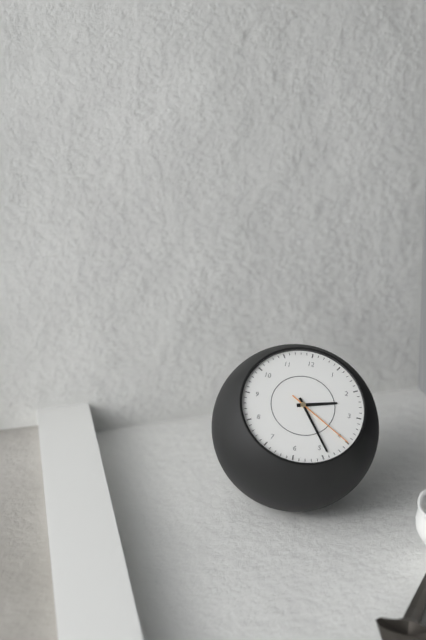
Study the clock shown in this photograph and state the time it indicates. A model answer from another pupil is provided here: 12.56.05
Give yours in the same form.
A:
2.24.20
